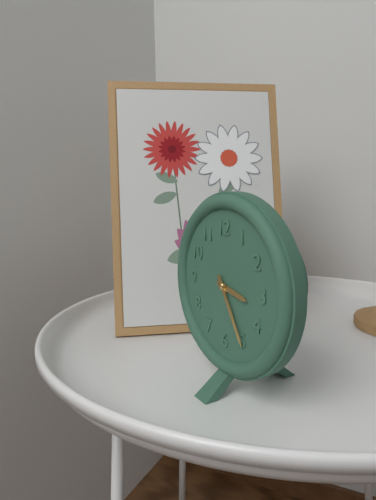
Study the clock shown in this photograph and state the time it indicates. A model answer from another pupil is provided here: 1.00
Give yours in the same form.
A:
3.25
